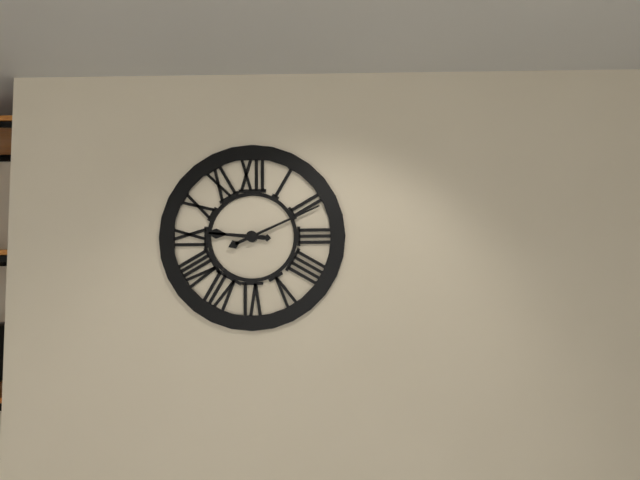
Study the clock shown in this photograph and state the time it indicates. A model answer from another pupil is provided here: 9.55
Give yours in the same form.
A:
9.11
